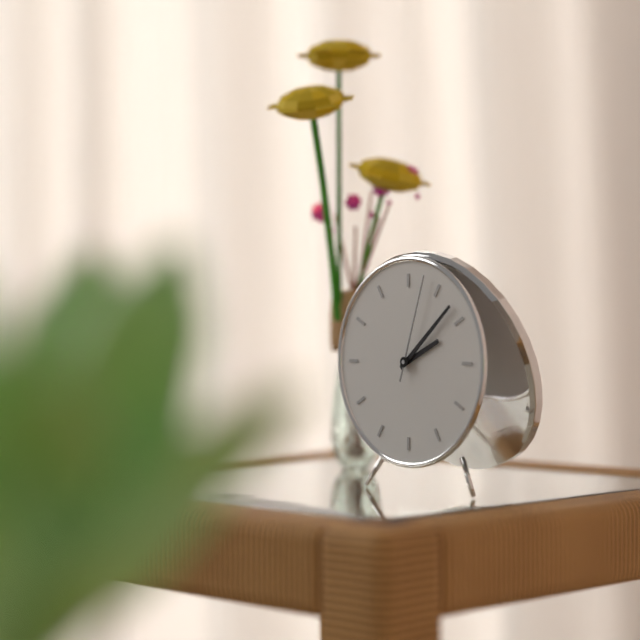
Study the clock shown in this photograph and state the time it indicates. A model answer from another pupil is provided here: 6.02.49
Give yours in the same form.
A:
2.08.03
